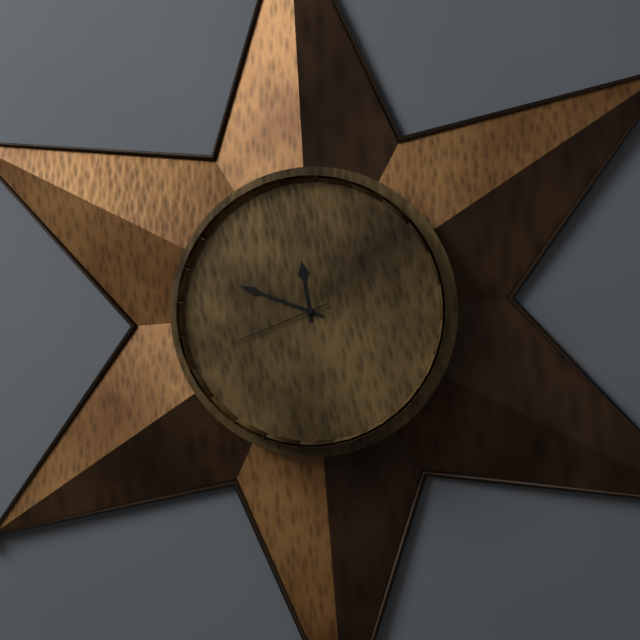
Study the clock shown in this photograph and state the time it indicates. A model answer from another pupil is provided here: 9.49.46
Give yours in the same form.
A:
11.49.42
